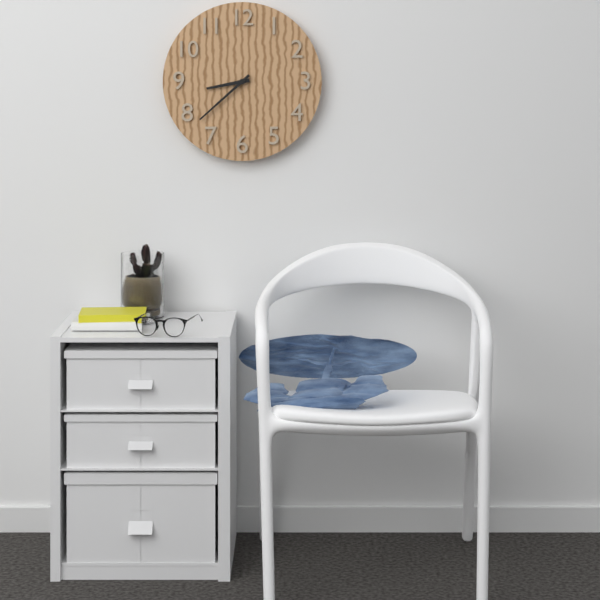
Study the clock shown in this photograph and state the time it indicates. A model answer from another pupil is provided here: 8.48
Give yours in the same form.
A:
8.38
